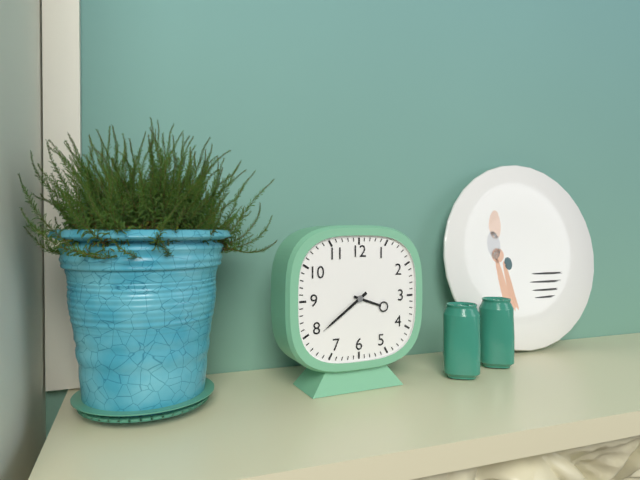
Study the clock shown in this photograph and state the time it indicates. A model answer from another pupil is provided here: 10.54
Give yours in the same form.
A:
3.39
